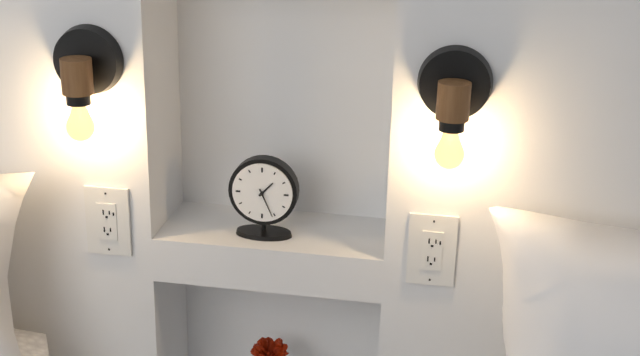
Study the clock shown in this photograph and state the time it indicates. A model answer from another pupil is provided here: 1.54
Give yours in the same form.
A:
1.26
